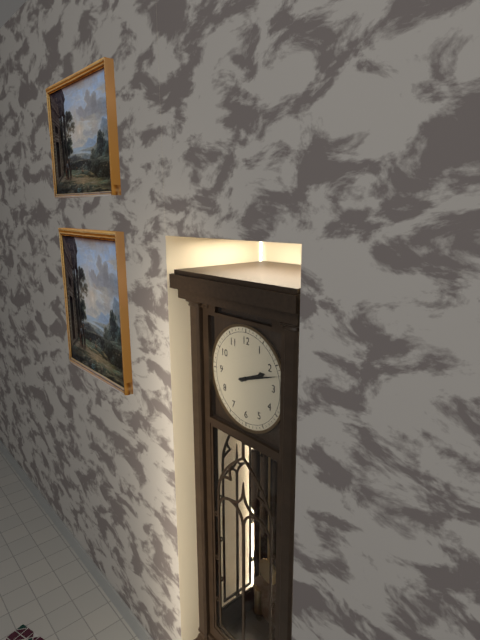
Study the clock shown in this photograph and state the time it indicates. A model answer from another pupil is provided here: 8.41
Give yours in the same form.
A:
2.12
